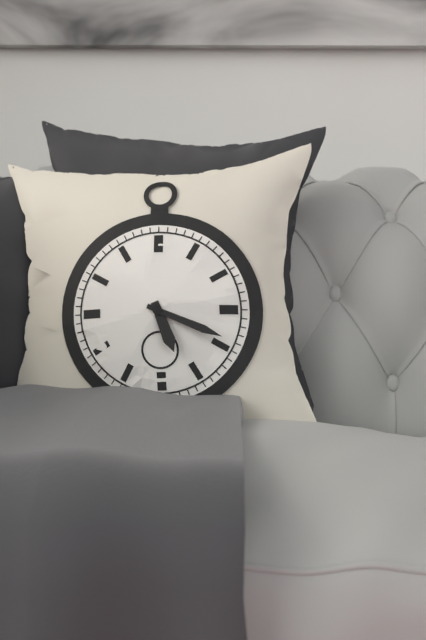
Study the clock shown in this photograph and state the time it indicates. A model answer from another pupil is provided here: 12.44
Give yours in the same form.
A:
5.19
